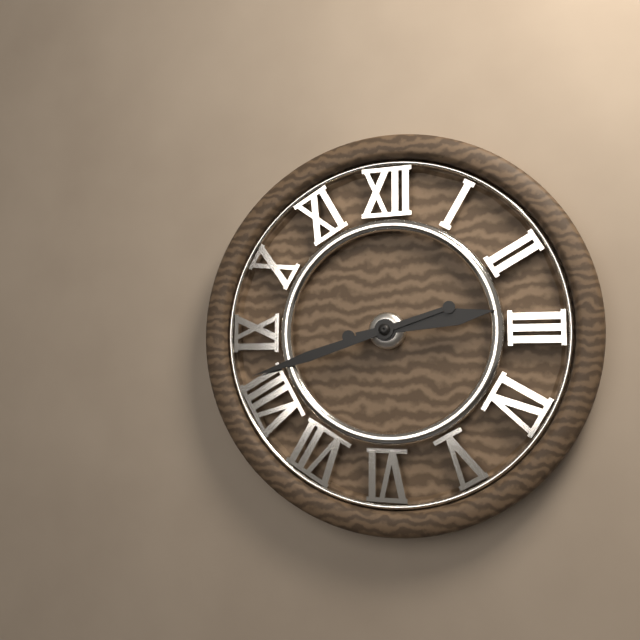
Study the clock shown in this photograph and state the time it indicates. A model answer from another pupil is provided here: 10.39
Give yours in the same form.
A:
2.42
